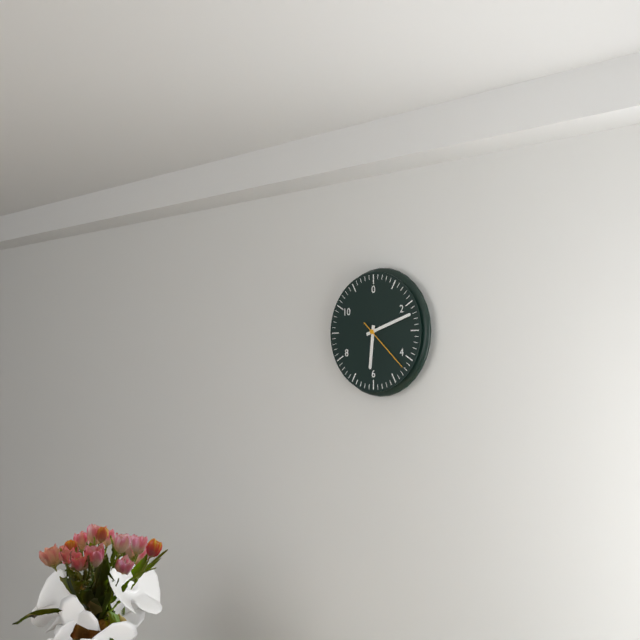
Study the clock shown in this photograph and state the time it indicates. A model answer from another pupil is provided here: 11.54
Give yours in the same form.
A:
6.12
